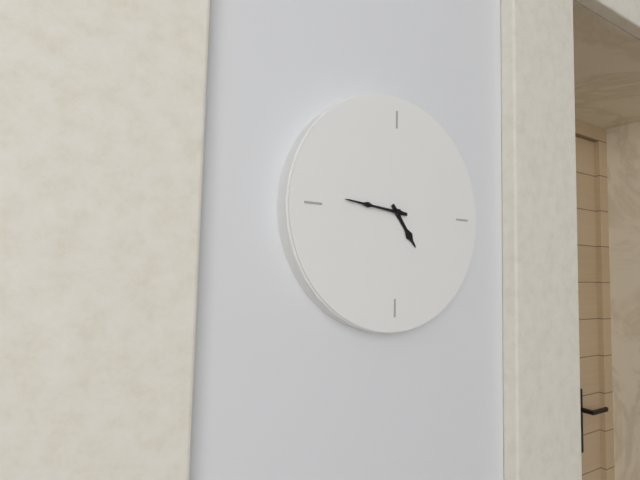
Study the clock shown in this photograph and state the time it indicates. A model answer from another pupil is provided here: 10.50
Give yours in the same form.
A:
4.46
